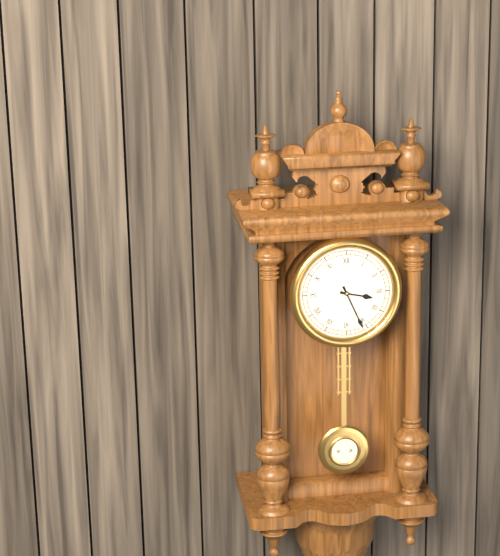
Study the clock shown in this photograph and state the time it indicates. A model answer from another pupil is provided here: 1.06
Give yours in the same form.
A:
3.26
